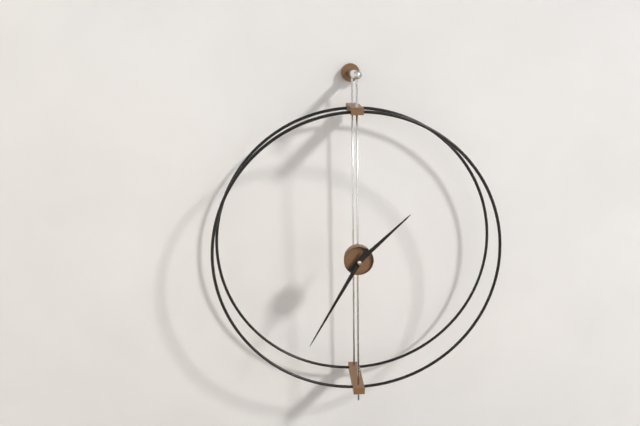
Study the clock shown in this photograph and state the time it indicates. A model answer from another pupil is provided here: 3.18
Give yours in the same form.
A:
1.35
